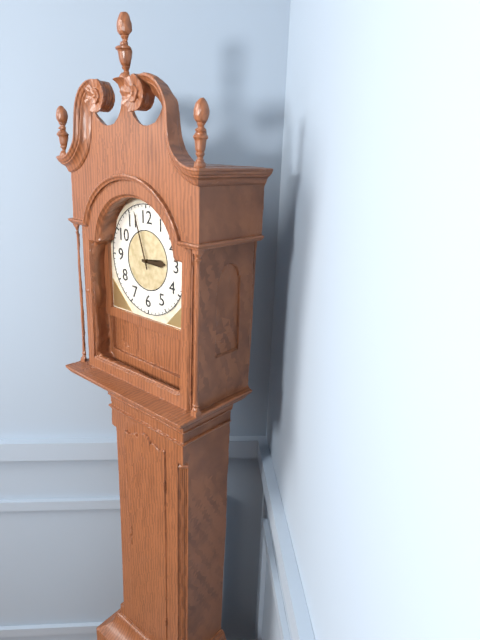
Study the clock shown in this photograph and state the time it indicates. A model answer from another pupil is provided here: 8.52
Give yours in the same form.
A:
2.57
